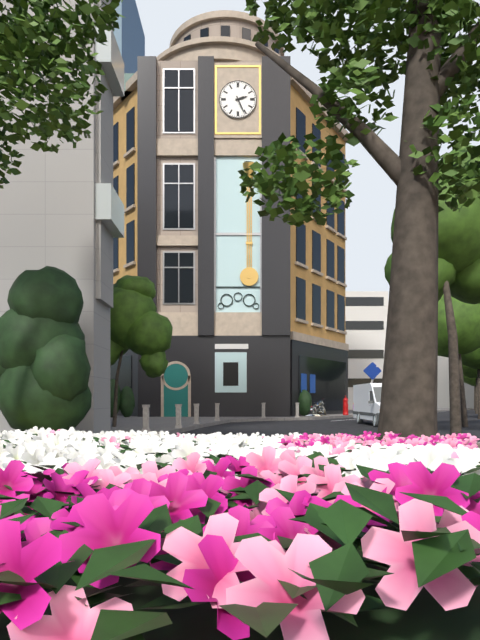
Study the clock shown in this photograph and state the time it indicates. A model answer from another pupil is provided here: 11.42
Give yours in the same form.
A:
2.26
